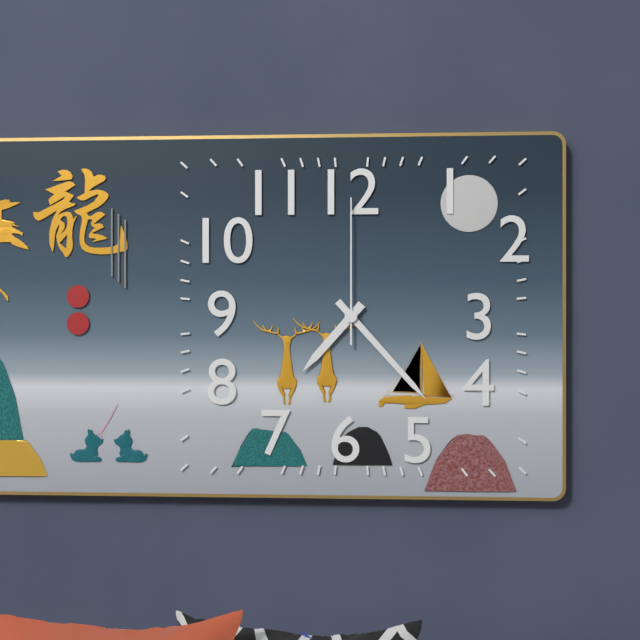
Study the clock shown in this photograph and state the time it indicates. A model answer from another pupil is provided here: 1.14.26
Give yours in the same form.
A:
7.23.00
